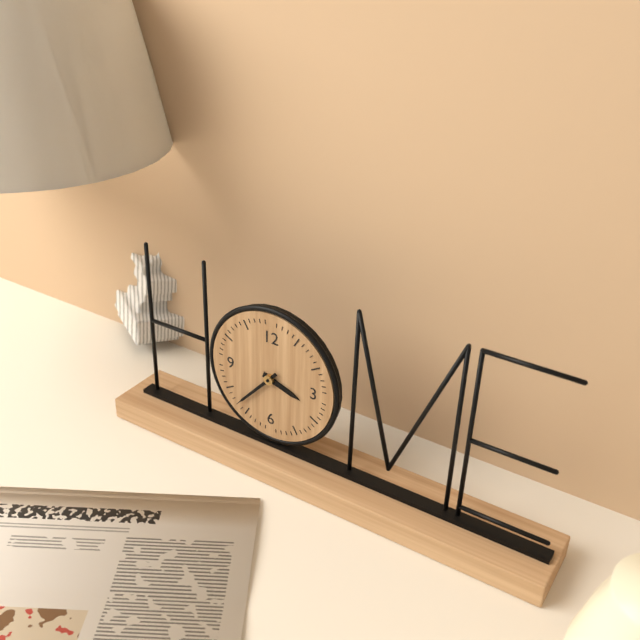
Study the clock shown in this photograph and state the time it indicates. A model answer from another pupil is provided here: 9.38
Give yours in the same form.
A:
3.37
